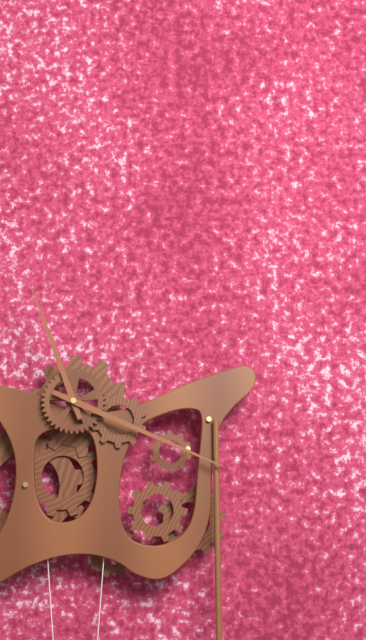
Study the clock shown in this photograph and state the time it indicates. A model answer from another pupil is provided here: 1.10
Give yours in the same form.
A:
11.19
